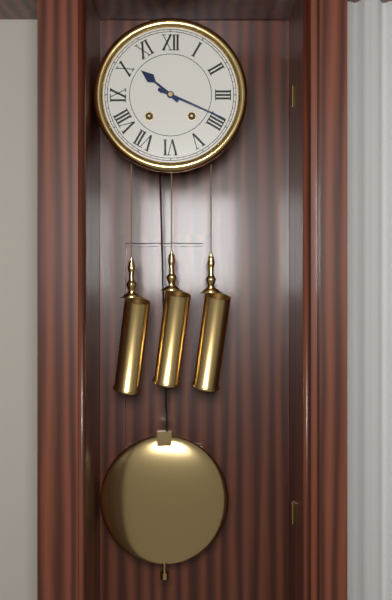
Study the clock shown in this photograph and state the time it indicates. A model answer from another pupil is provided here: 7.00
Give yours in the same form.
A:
10.19
